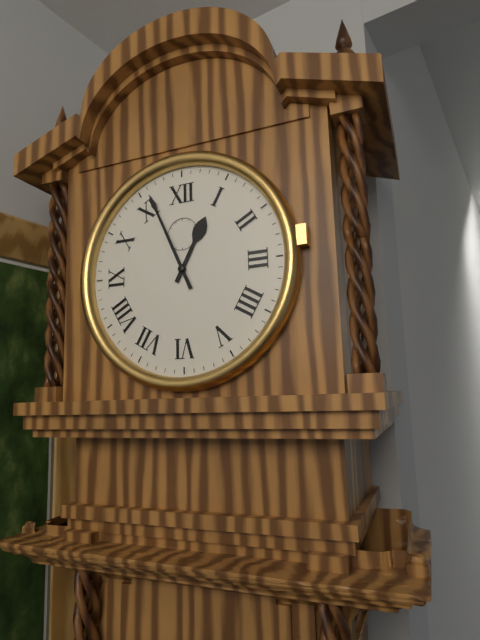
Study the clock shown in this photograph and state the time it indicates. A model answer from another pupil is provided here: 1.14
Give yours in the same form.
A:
12.56
